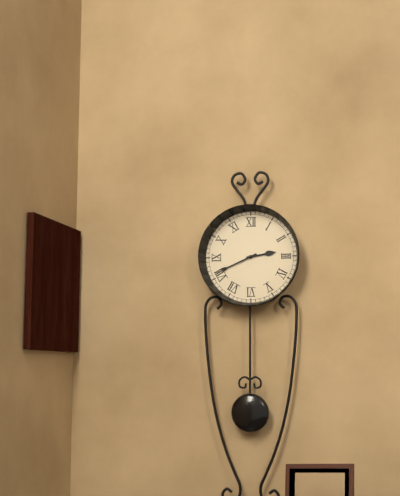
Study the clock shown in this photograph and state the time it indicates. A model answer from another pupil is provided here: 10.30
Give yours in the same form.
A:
2.41
